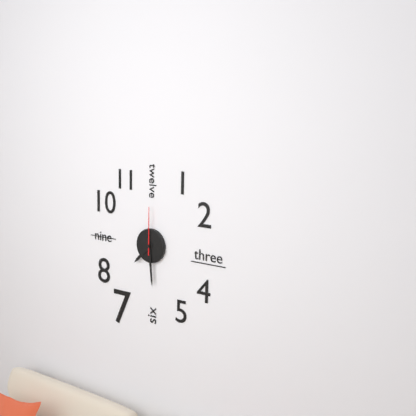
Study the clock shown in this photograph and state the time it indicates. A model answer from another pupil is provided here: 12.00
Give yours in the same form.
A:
7.29
